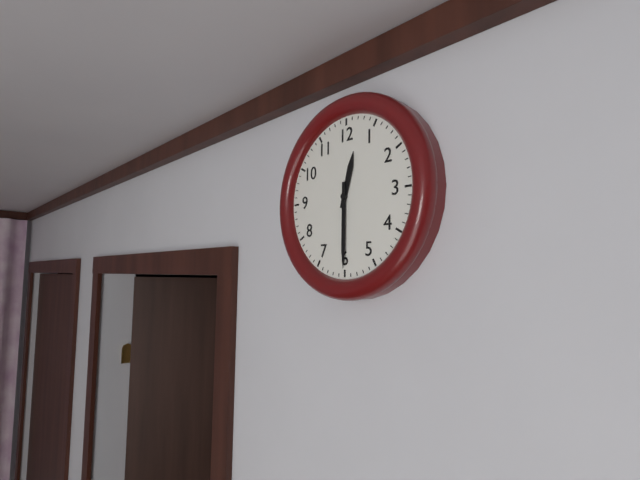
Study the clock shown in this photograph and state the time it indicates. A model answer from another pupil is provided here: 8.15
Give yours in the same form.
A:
12.30
